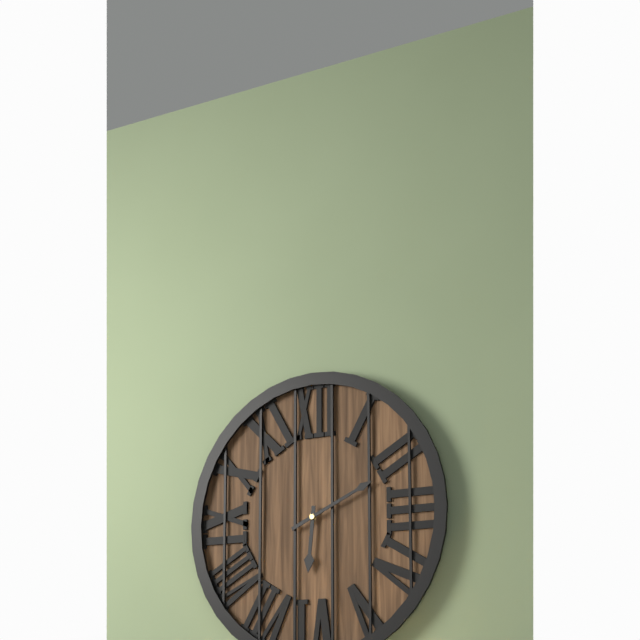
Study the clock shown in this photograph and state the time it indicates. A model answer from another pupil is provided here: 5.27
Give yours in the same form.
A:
6.11
